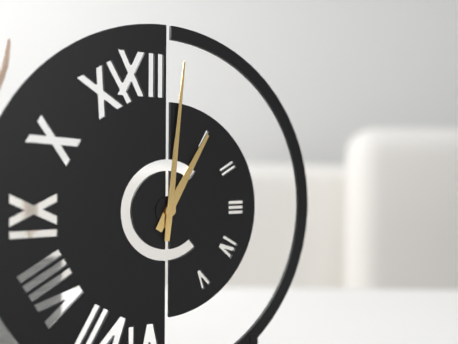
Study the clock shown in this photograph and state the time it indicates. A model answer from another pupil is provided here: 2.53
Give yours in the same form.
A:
1.01
